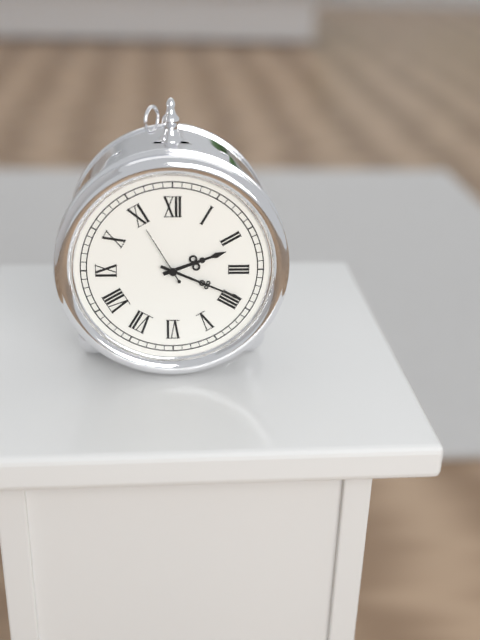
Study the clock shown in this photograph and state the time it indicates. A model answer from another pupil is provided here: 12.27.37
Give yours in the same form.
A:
2.19.55
